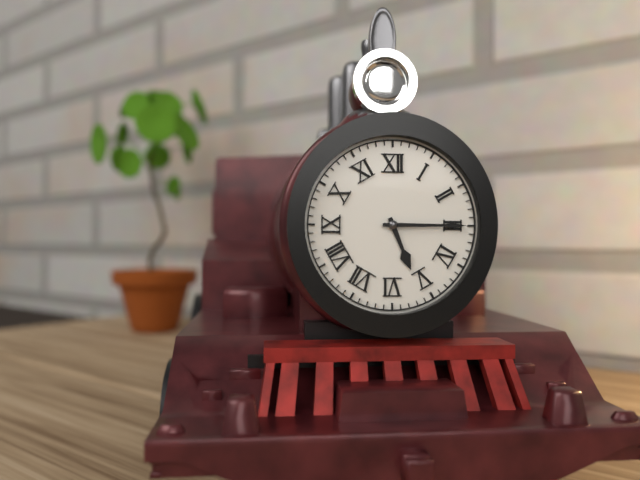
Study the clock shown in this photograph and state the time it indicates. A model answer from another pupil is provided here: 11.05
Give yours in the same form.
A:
5.15
